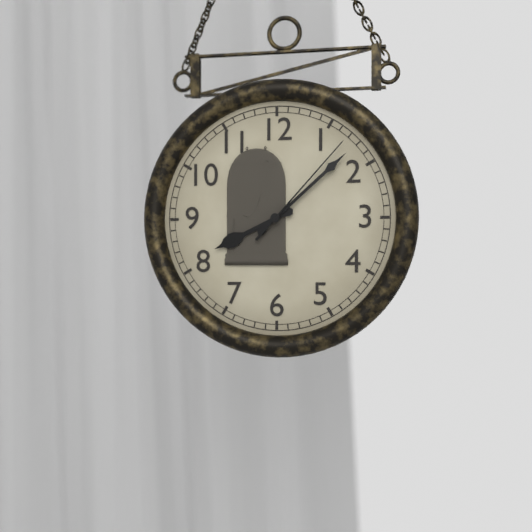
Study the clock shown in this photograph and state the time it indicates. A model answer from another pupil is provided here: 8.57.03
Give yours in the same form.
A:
8.08.07
